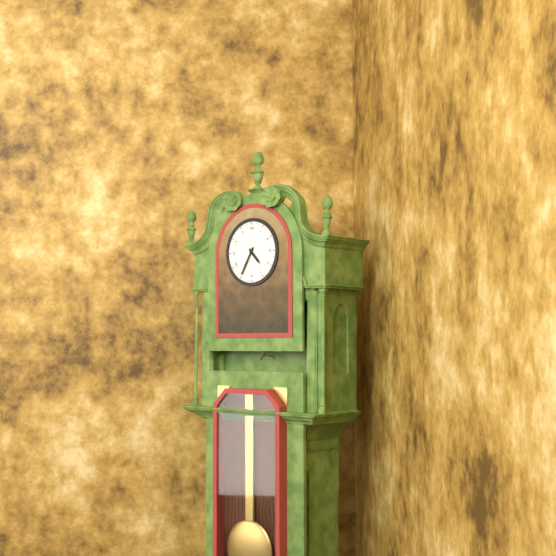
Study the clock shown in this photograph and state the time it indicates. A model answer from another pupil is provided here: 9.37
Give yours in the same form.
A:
4.35
